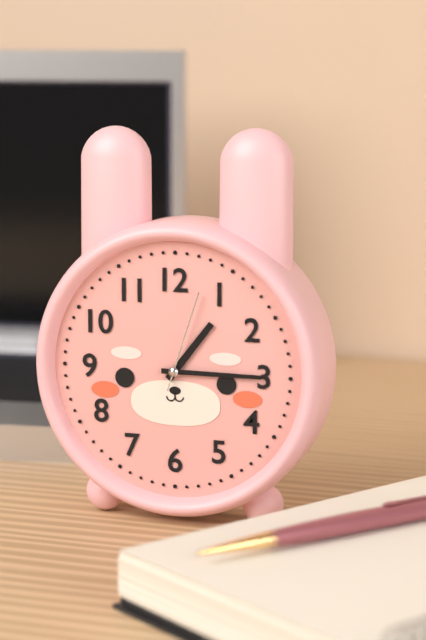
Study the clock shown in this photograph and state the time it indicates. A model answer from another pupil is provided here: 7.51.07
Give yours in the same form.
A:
1.15.03
